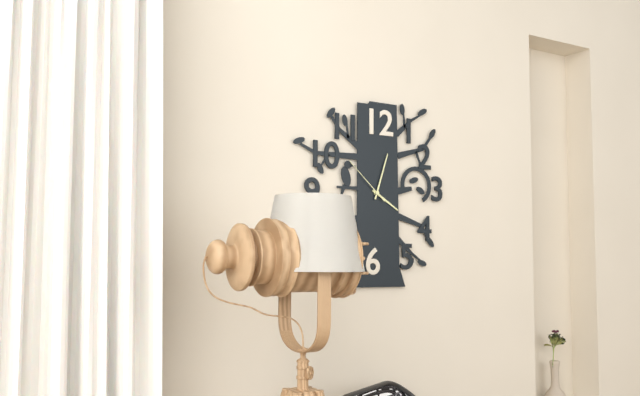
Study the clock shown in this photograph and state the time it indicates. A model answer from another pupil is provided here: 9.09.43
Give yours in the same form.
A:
4.03.52
